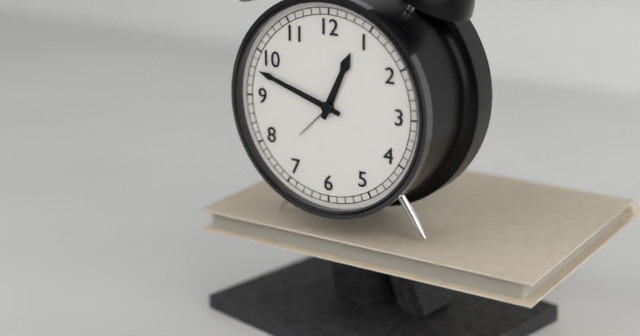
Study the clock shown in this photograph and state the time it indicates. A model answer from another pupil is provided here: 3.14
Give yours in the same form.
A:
12.48
